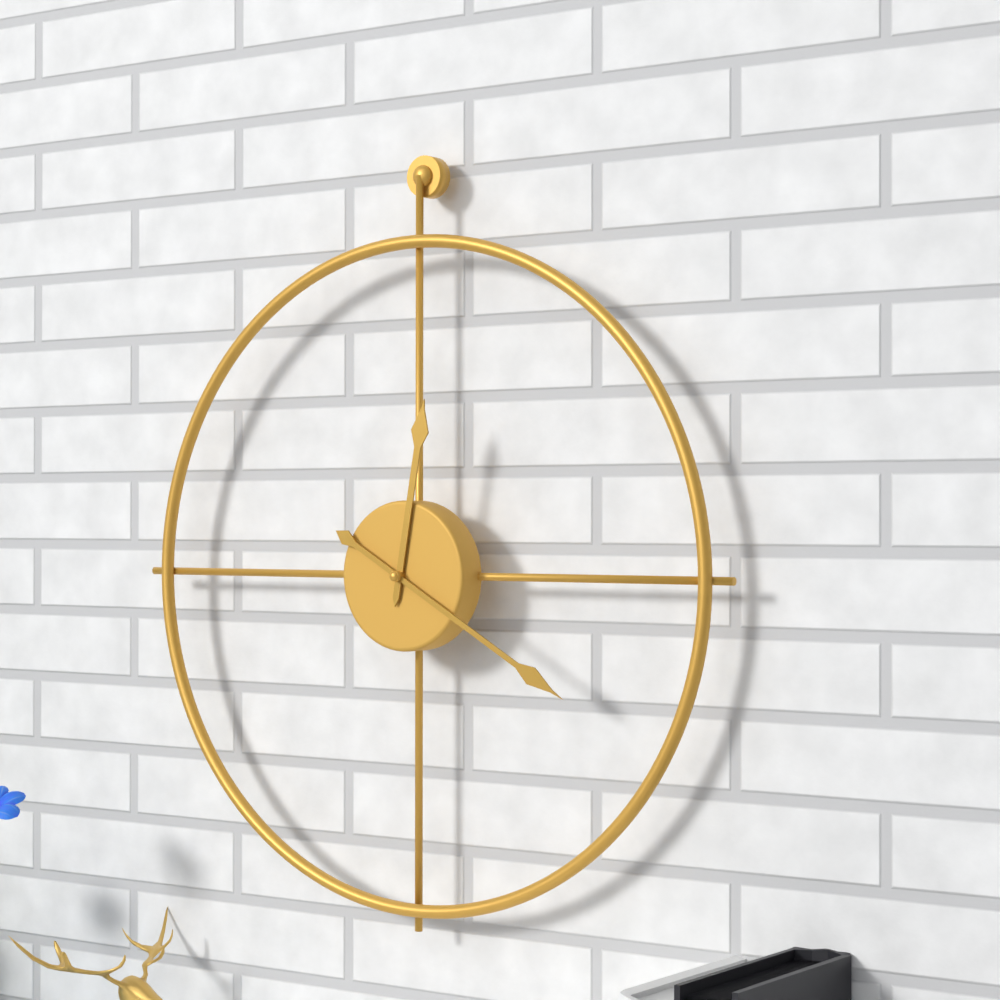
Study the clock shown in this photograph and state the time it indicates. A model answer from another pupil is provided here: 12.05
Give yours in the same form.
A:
12.20
